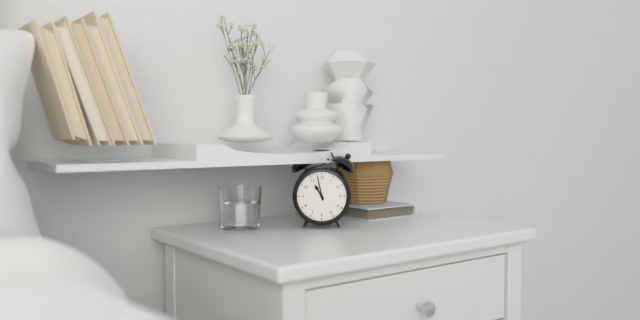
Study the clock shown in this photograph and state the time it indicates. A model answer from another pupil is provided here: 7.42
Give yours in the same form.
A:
10.58
